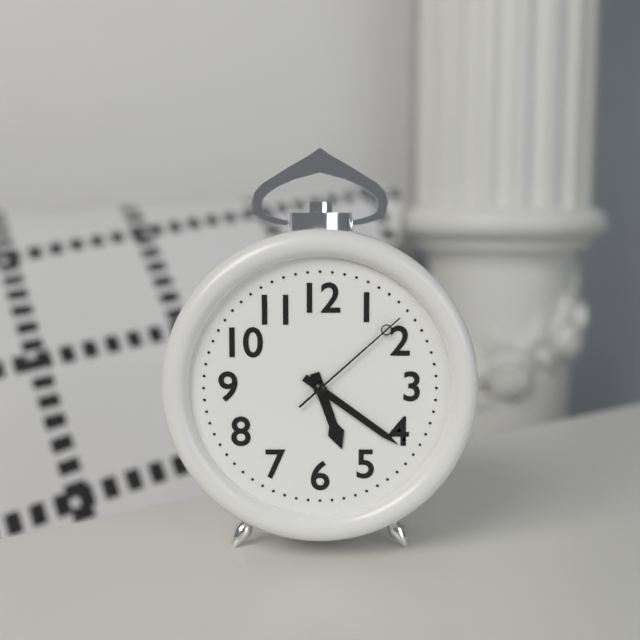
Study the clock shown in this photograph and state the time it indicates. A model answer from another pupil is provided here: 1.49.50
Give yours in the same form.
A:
5.21.08
